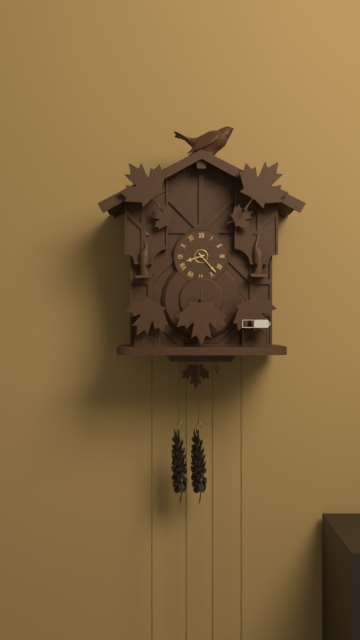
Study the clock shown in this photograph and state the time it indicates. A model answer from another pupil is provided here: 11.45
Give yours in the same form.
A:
8.23
